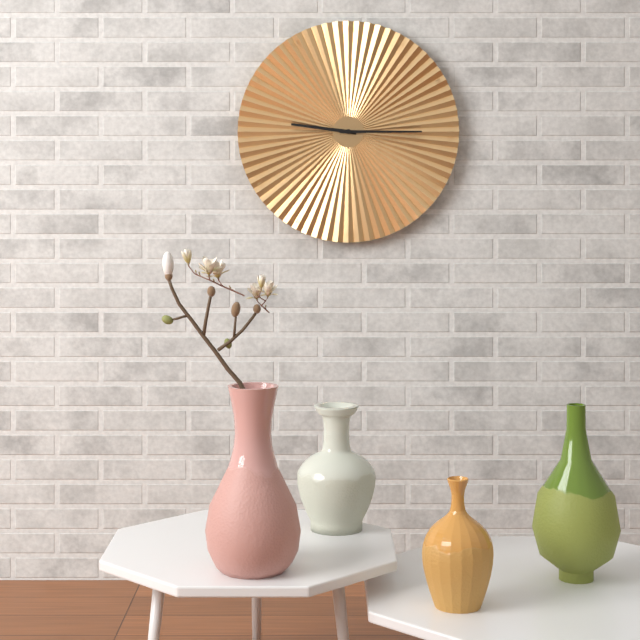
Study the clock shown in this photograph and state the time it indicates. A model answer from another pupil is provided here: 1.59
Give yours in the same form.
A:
9.15
